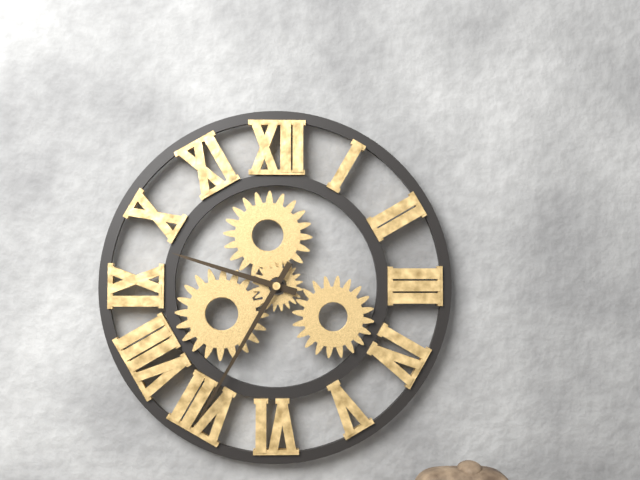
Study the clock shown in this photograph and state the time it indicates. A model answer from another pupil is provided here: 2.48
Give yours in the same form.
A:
9.35
